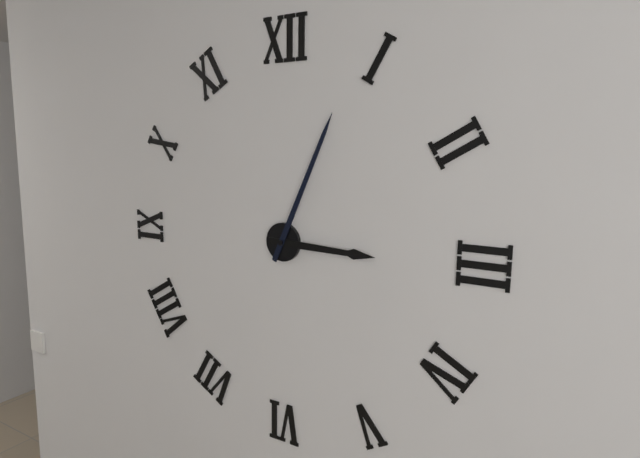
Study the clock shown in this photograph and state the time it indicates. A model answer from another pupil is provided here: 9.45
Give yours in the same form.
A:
3.04
